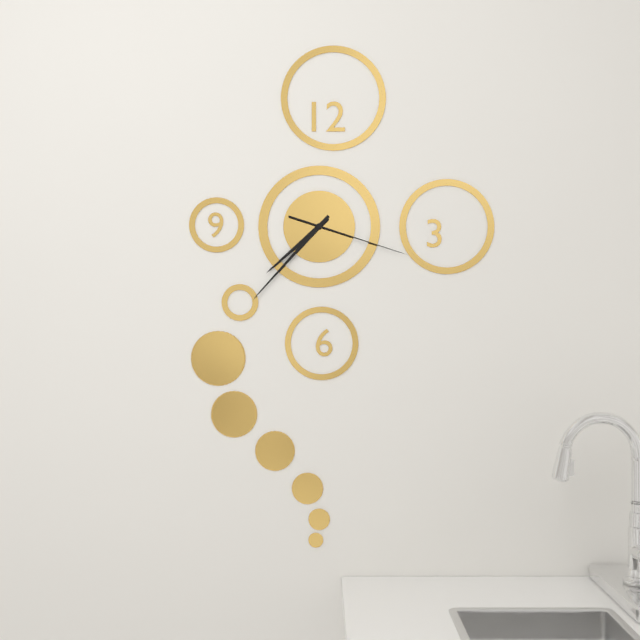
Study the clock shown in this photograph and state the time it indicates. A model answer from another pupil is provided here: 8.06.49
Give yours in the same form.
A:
7.37.18
